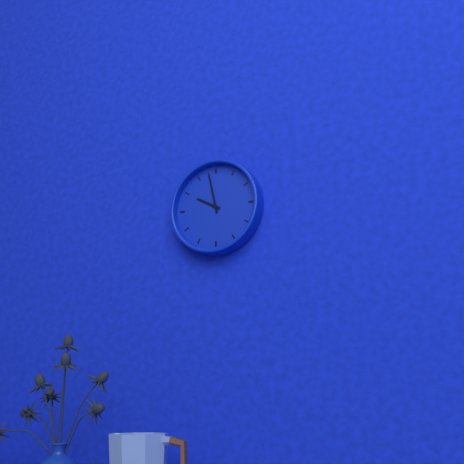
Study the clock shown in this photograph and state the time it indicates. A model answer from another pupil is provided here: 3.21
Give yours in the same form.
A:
9.58
